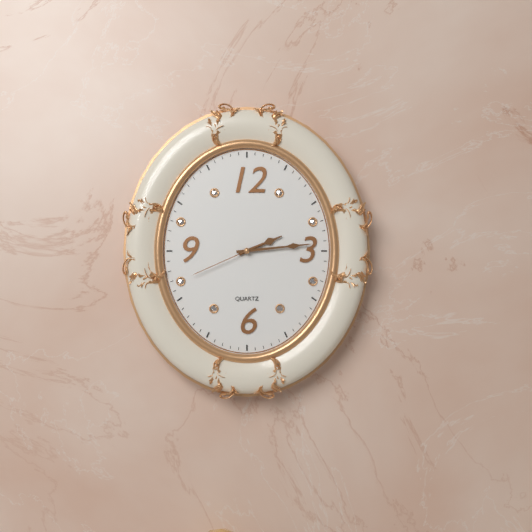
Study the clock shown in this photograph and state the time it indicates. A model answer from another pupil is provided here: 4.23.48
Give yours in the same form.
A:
2.14.41
